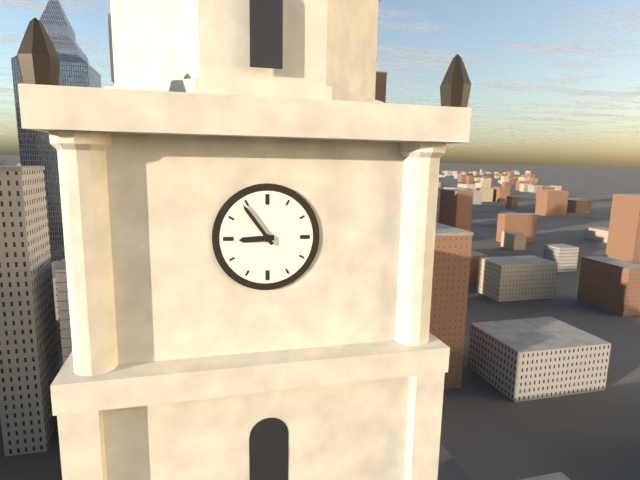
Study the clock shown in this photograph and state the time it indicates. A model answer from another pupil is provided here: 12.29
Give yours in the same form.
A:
8.54
